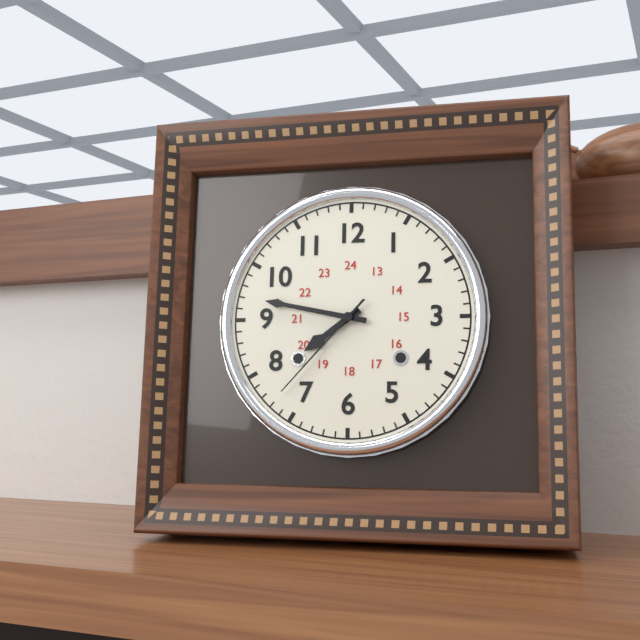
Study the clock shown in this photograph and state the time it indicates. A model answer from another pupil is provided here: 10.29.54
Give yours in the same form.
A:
7.47.37
